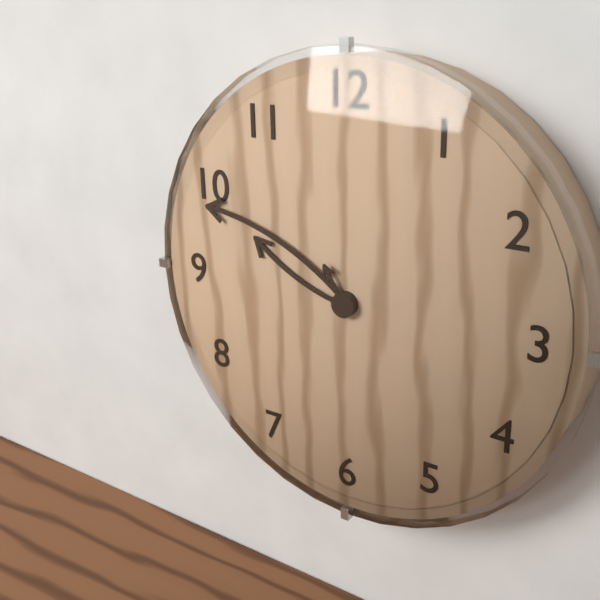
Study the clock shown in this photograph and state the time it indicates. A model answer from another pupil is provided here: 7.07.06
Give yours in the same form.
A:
9.49.55
